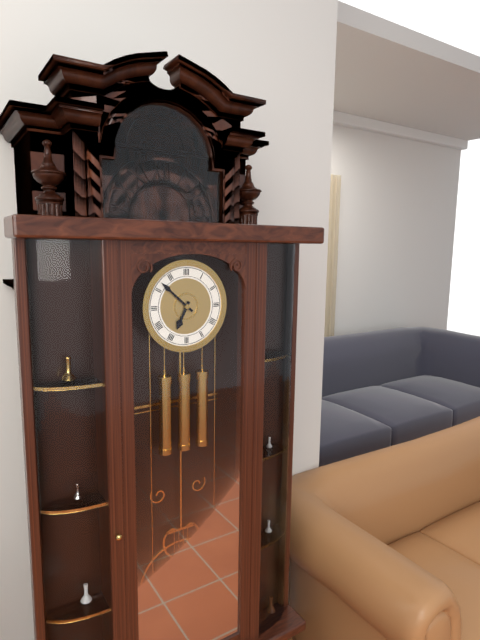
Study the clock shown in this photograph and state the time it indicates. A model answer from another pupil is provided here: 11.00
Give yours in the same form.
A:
6.52
